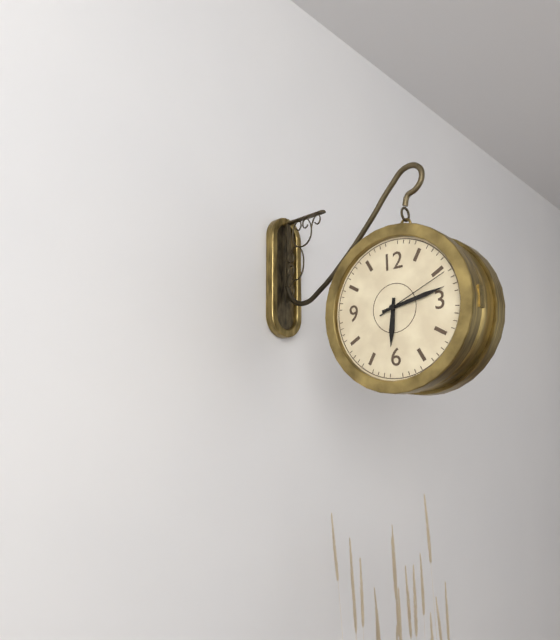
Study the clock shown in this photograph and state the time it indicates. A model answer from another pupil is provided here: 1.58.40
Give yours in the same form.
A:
6.13.11
